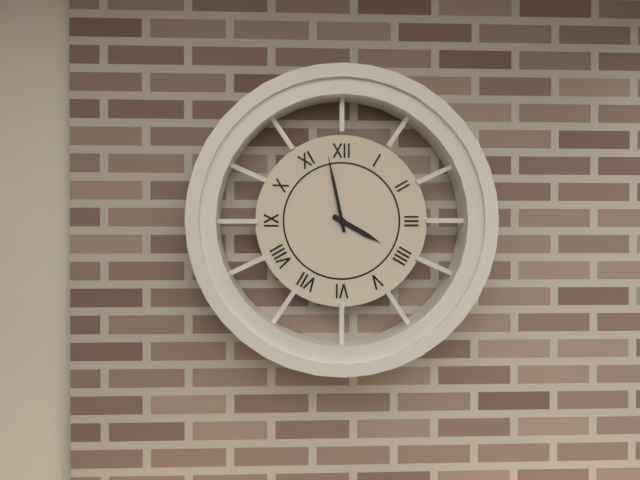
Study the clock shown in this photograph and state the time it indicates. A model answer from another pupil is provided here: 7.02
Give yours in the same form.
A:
3.58
